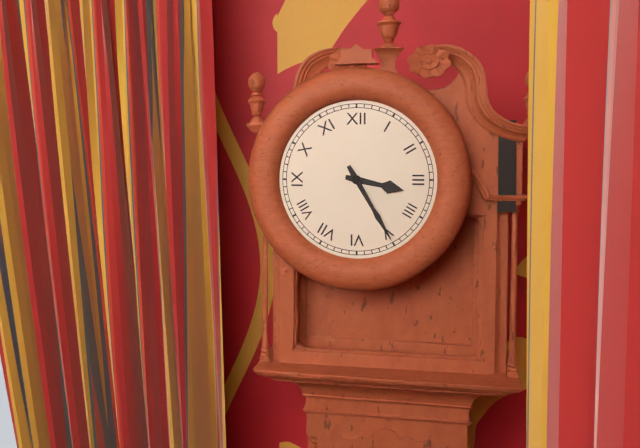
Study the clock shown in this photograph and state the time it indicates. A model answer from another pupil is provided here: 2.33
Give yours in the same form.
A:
3.25
